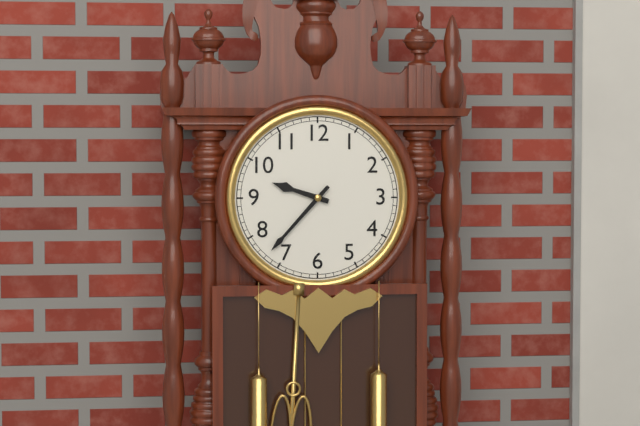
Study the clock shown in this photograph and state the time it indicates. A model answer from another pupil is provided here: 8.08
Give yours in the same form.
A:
9.37
